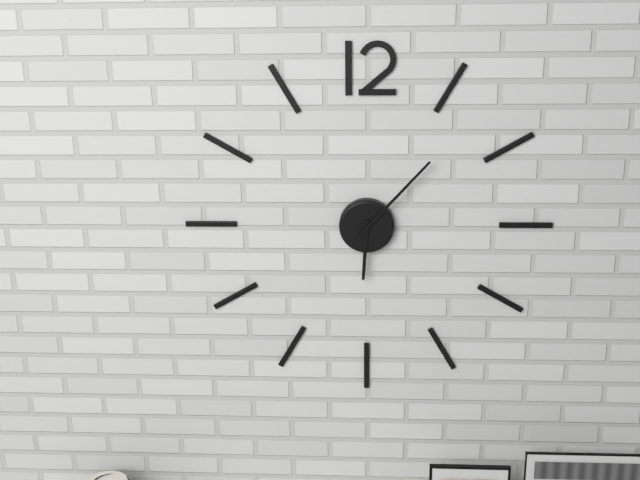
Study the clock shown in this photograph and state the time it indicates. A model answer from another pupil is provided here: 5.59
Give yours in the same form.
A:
6.07
